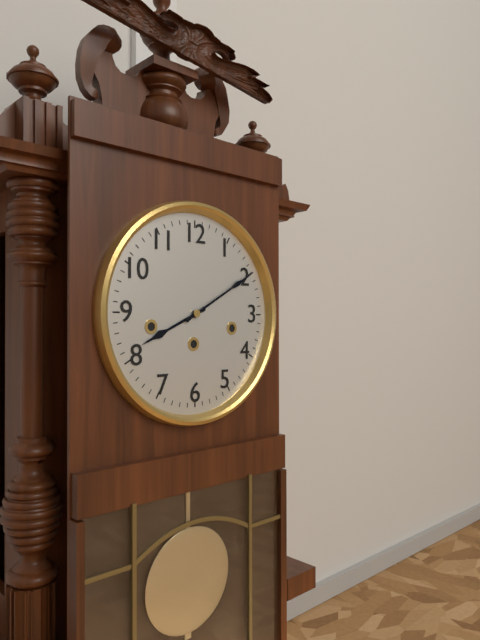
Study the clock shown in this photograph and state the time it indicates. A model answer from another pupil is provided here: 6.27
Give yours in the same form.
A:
8.10
